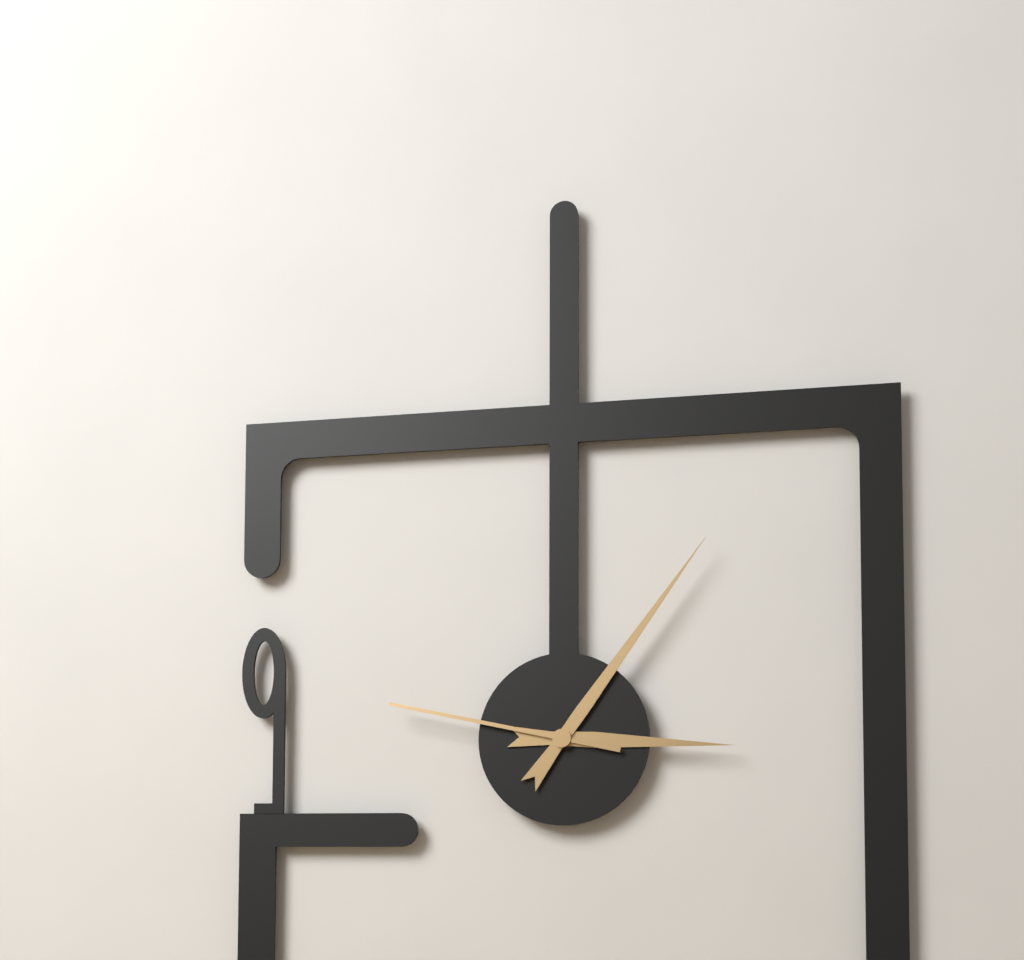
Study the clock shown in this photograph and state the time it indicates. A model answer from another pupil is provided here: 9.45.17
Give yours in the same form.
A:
3.06.47
